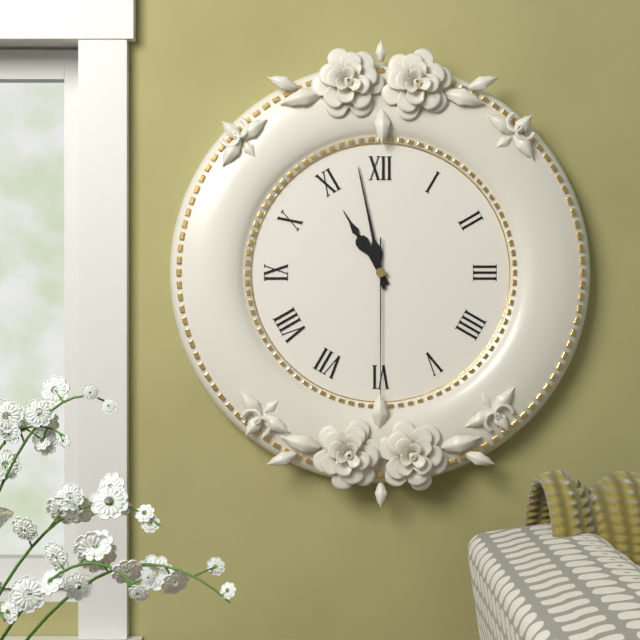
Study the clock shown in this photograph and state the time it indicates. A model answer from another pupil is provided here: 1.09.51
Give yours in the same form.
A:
10.58.30
